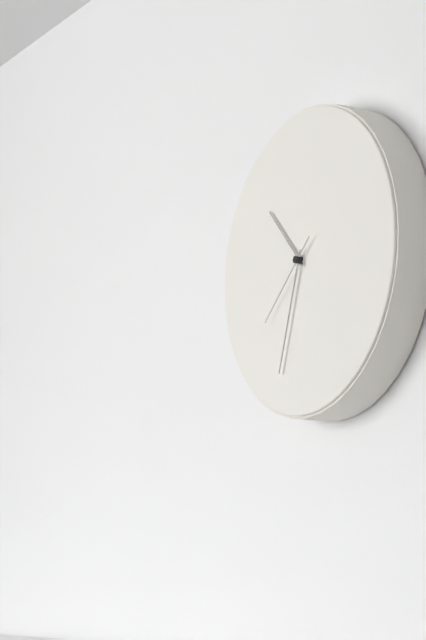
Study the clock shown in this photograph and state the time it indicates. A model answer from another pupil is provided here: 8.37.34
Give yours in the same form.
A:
10.33.38
